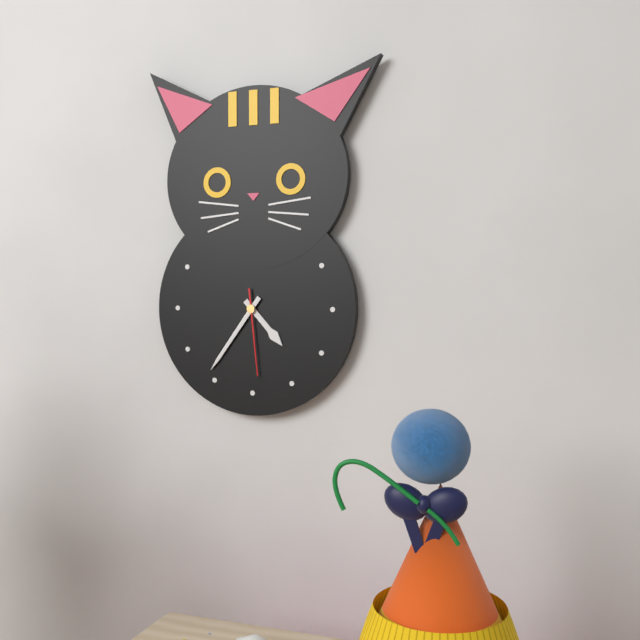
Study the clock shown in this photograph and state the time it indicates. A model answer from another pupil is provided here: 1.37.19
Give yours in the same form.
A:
4.36.29
